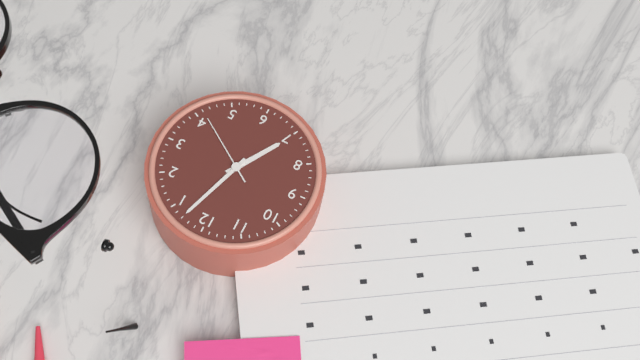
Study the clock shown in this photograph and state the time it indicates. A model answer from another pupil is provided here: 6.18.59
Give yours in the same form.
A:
7.03.21
